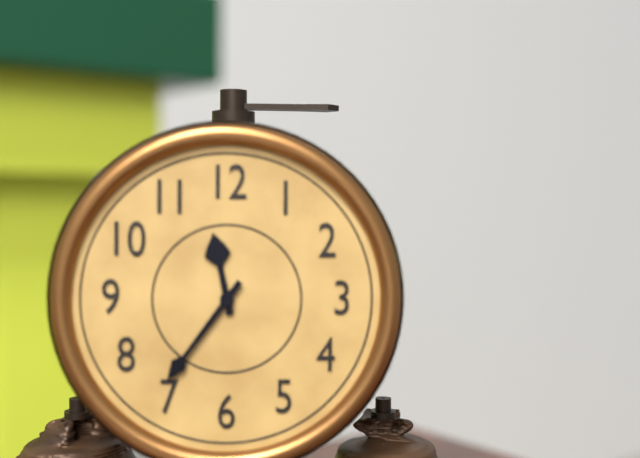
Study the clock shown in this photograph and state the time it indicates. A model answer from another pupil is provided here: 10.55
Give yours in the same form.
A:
11.36
